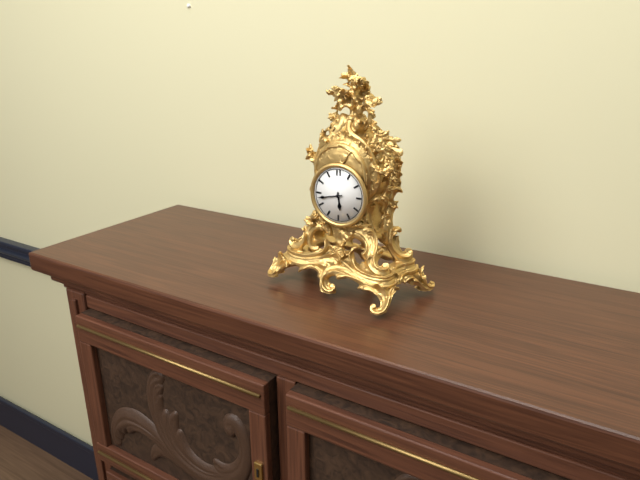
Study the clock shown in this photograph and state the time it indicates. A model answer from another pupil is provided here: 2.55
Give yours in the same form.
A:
5.43
